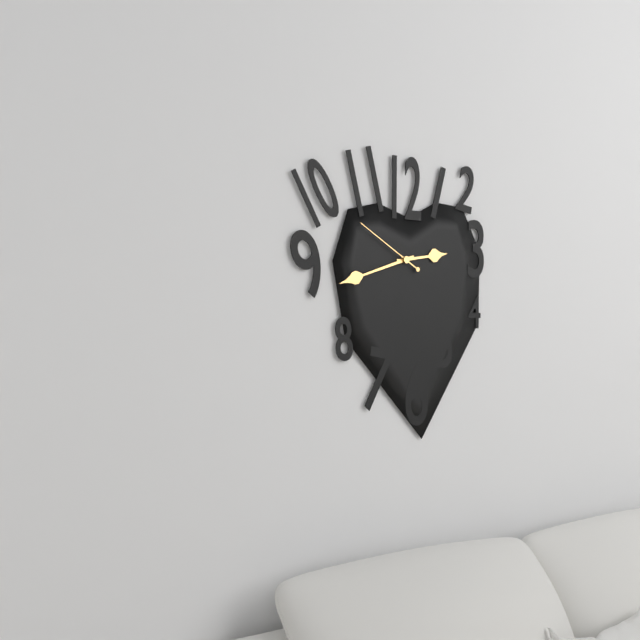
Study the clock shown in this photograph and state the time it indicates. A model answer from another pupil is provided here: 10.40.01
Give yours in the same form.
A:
2.42.50
